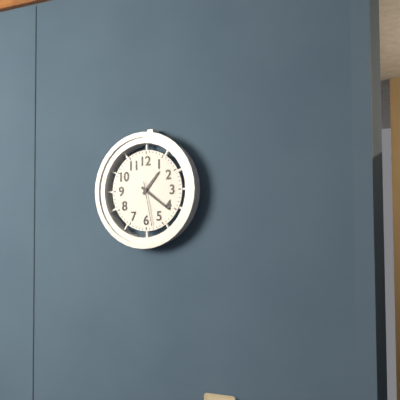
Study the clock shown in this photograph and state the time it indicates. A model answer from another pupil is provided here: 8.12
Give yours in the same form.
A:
1.21
